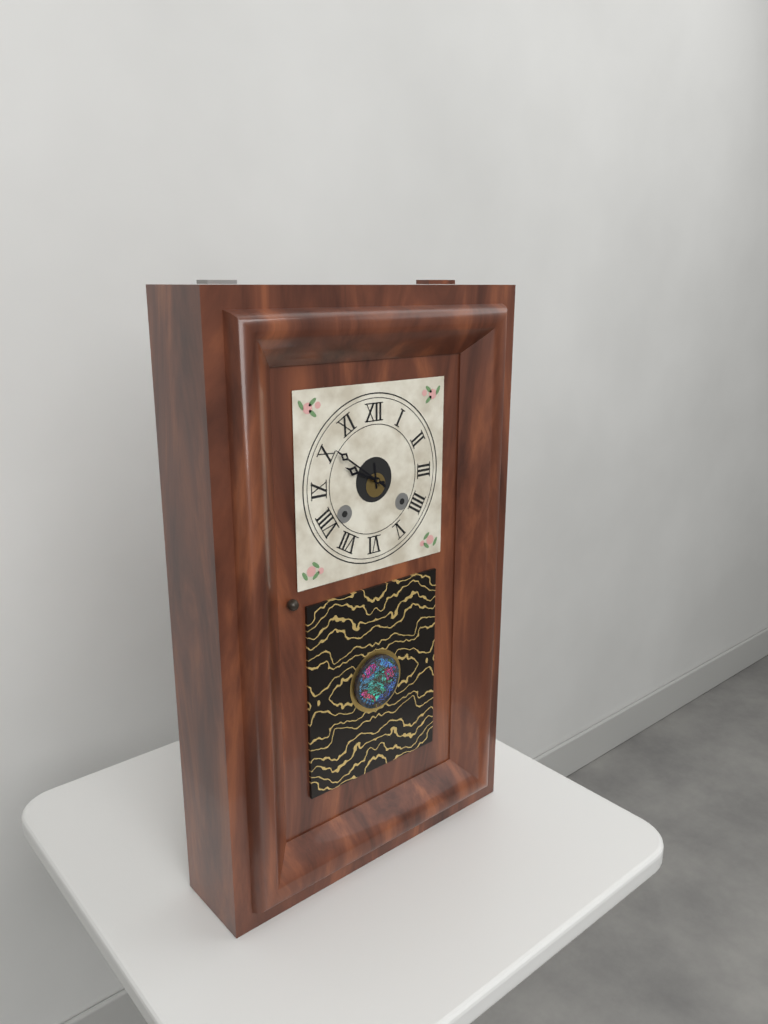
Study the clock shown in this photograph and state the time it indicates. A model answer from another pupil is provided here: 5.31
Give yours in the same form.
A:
9.51
